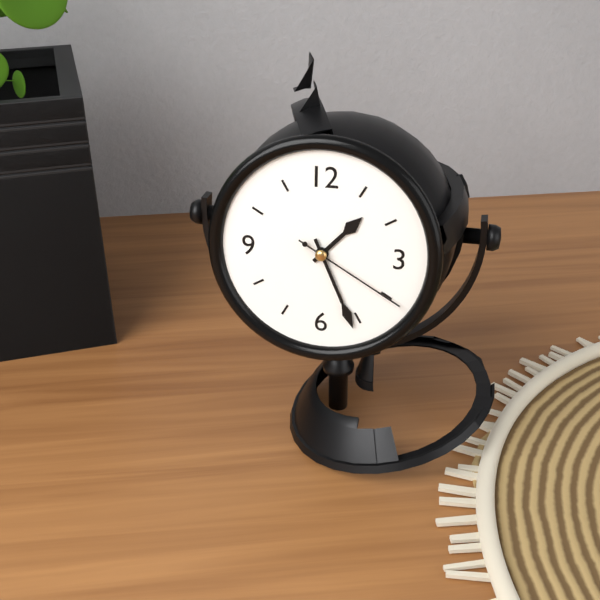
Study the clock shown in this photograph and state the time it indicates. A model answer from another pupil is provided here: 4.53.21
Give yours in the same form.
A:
1.26.20
